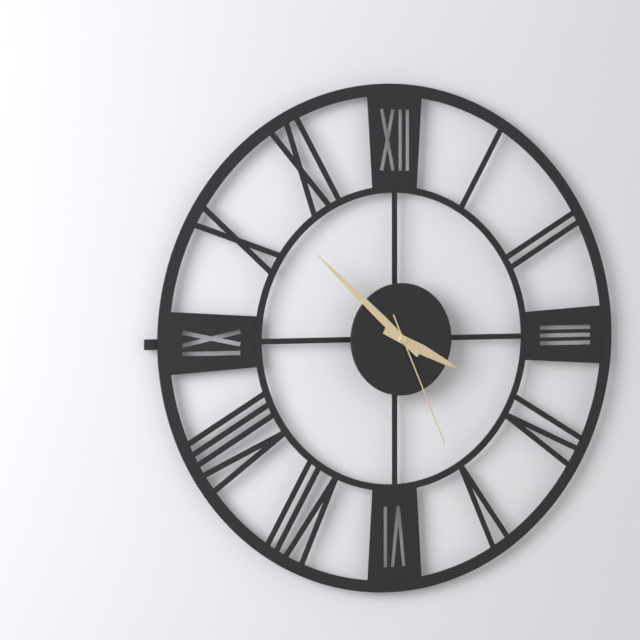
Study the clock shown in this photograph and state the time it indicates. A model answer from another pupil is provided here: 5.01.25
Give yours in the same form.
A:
3.52.26
